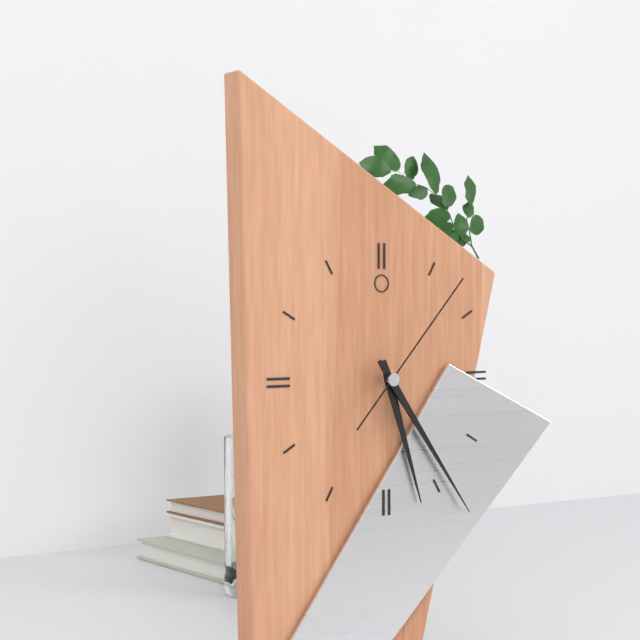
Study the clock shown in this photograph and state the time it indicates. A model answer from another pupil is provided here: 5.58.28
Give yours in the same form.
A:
5.24.07
